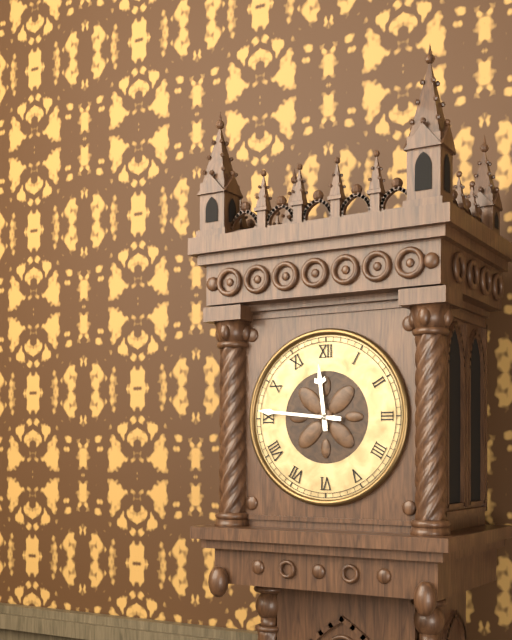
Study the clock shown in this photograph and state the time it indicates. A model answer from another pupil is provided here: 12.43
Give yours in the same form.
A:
11.46
